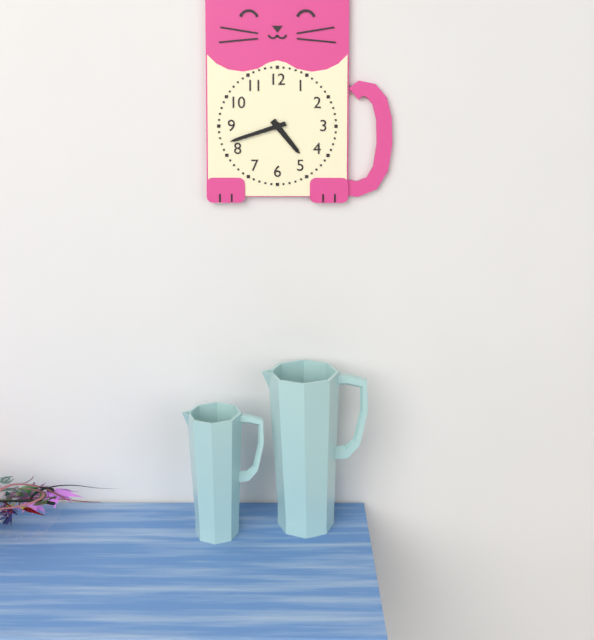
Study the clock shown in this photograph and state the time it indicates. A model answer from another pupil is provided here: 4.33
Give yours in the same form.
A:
4.42
